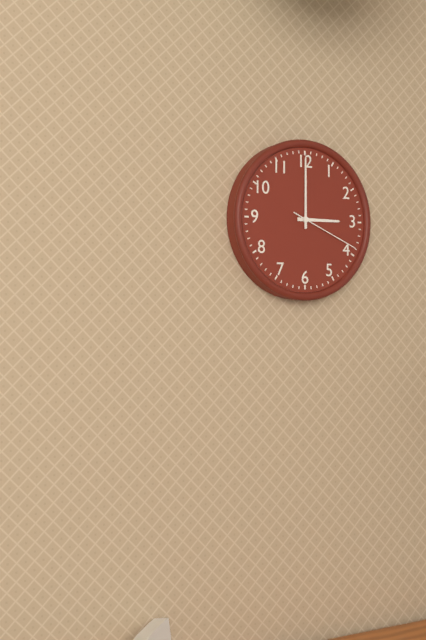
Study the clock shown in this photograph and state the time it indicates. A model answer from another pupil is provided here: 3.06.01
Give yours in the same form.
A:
3.00.19
